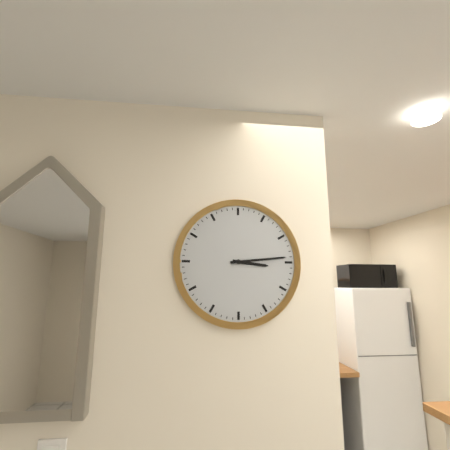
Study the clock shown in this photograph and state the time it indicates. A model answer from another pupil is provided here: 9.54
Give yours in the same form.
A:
3.14
